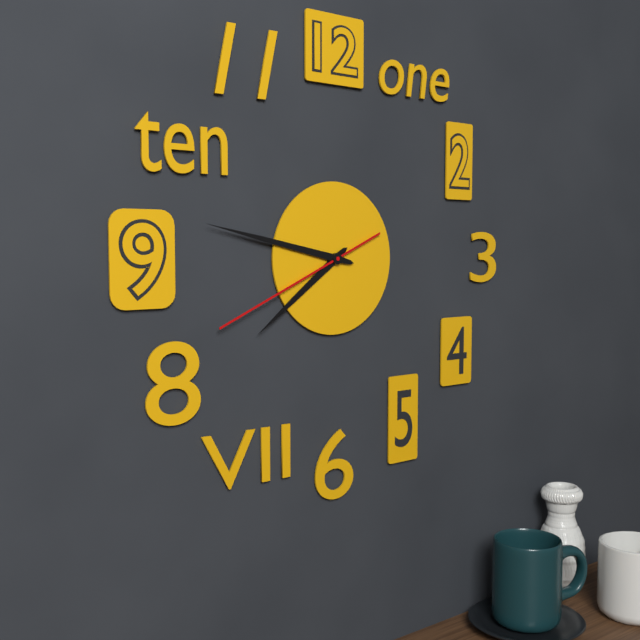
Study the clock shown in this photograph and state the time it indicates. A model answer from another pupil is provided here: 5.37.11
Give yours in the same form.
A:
7.47.41
